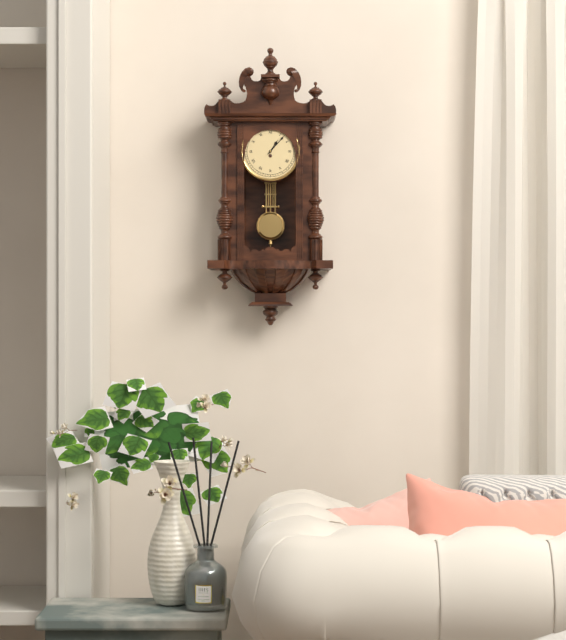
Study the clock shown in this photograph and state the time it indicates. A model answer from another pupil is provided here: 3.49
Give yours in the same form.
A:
1.07
